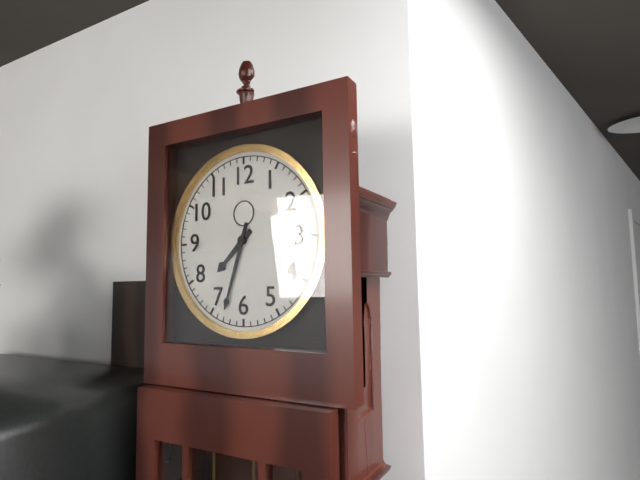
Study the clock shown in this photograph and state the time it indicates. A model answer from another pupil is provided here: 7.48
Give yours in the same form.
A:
7.33
